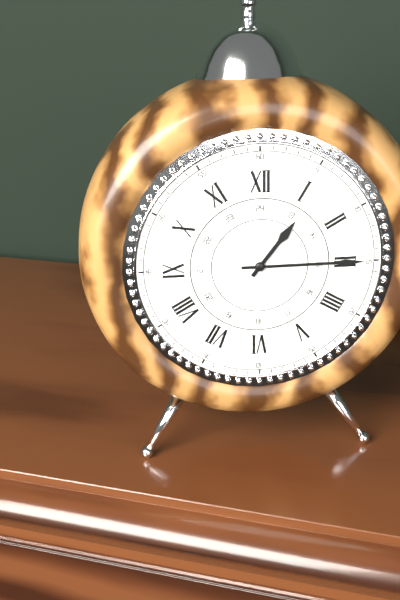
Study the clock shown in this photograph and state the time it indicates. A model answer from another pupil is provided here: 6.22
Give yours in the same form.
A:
1.15
